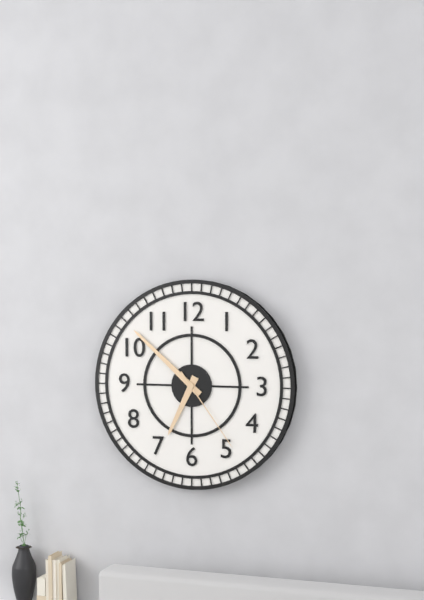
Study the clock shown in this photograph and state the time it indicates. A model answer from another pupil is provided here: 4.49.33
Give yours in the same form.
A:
6.52.24
